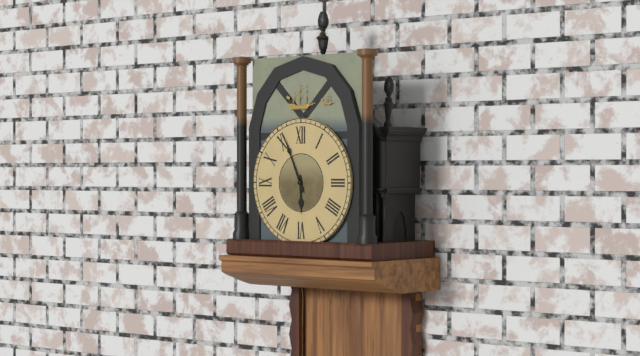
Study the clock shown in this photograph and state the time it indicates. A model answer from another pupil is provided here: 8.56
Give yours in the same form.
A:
5.56
